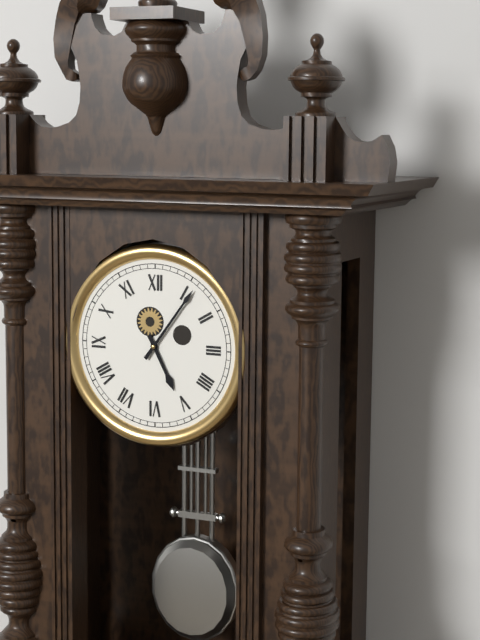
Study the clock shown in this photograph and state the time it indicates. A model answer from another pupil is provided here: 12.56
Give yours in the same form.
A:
5.06
